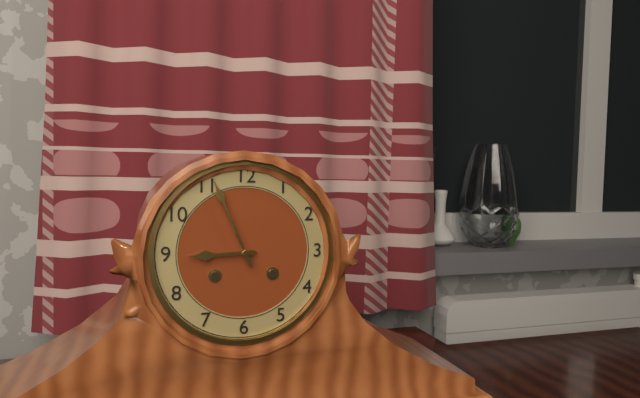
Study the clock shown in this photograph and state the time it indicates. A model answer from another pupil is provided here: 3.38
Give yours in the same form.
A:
8.56
